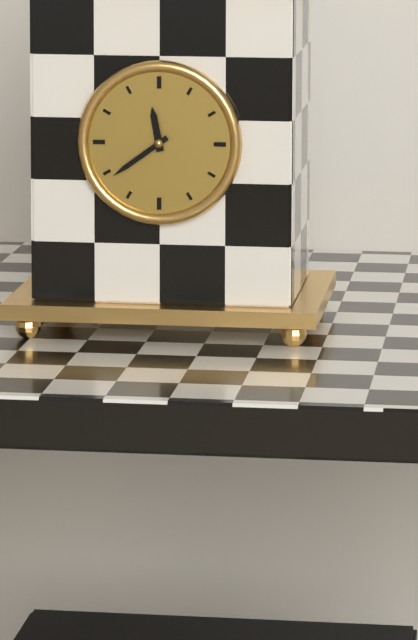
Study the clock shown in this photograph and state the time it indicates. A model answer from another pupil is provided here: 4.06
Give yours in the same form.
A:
11.39
